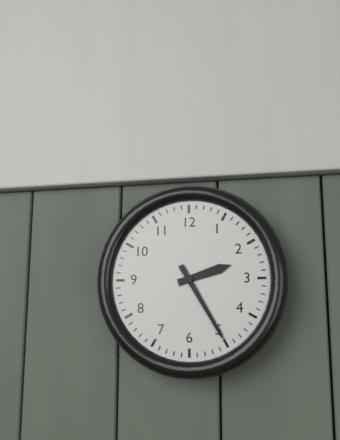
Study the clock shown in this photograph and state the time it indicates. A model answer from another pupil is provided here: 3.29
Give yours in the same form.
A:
2.25
